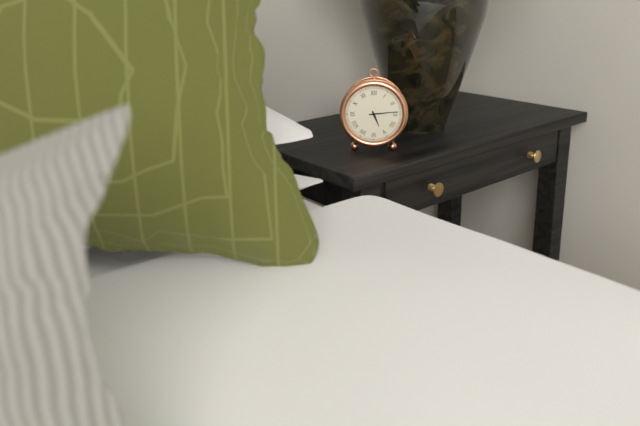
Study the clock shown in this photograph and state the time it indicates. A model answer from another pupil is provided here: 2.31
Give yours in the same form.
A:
5.14
